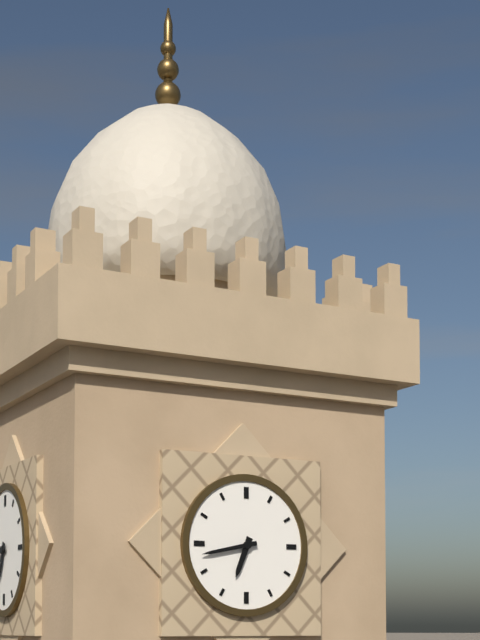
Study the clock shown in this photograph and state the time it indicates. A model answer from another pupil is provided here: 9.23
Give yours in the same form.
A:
6.43
